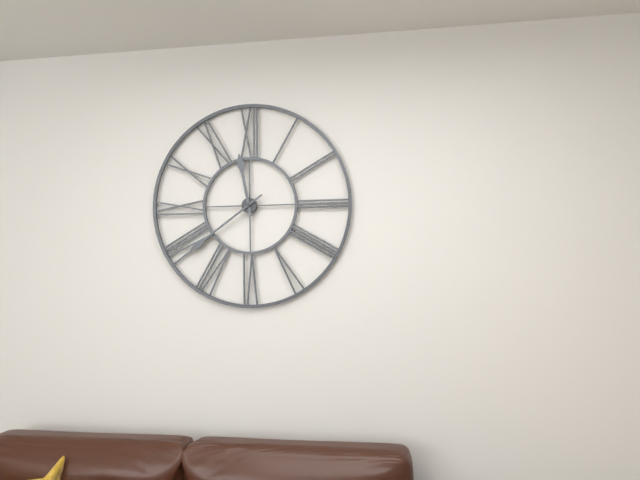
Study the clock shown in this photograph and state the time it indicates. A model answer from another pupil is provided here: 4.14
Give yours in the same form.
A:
11.39
